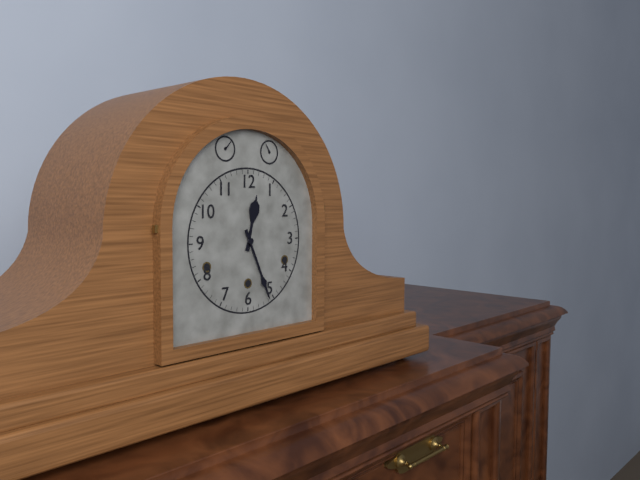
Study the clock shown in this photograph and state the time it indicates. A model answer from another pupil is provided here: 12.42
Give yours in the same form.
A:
12.26
